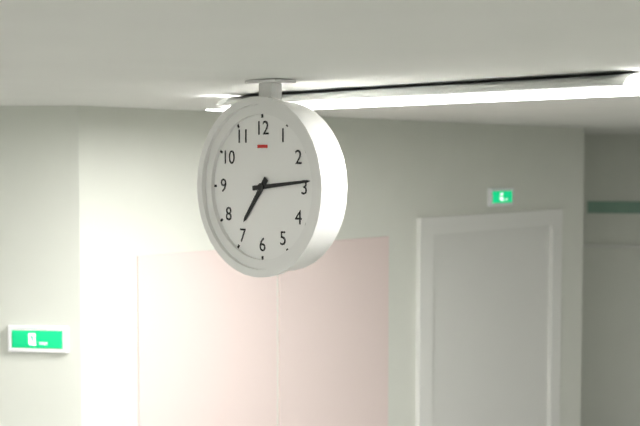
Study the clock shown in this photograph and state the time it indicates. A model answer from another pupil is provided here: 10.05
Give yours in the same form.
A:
7.14
